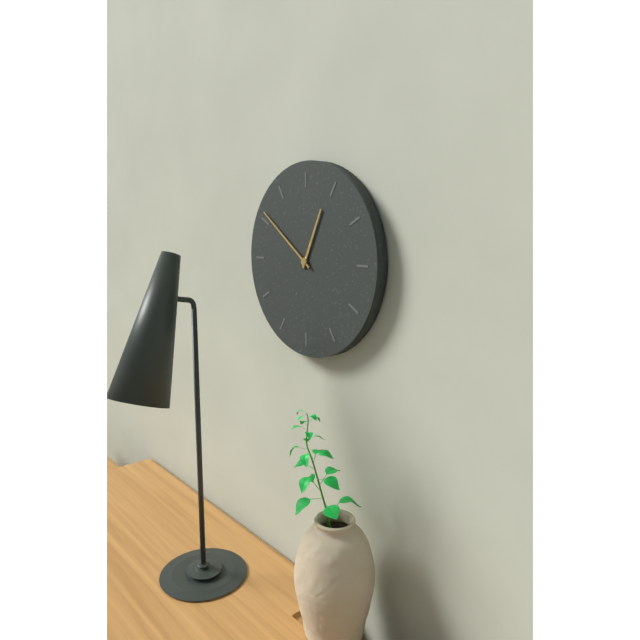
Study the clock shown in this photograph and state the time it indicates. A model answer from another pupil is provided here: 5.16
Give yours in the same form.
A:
12.51
